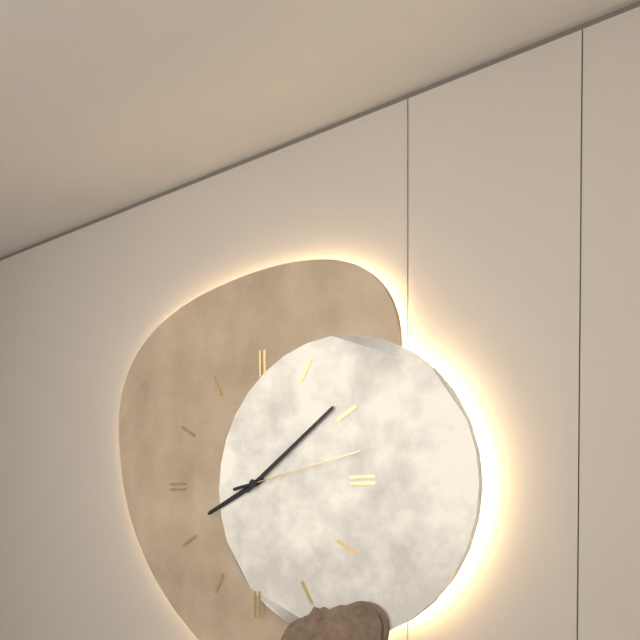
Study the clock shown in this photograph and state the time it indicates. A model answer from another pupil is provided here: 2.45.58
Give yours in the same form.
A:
8.09.13
